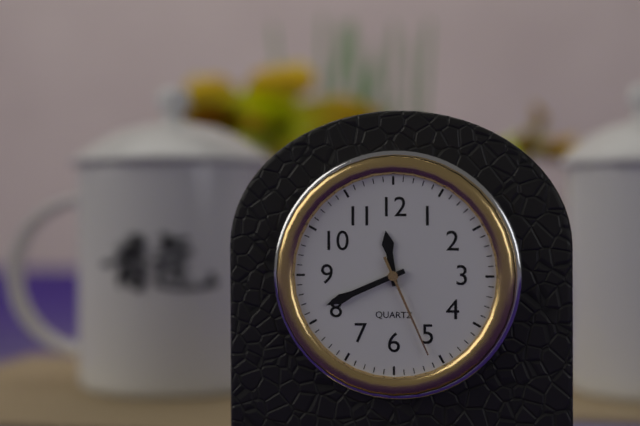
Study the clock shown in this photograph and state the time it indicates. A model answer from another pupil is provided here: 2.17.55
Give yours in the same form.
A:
11.41.26
